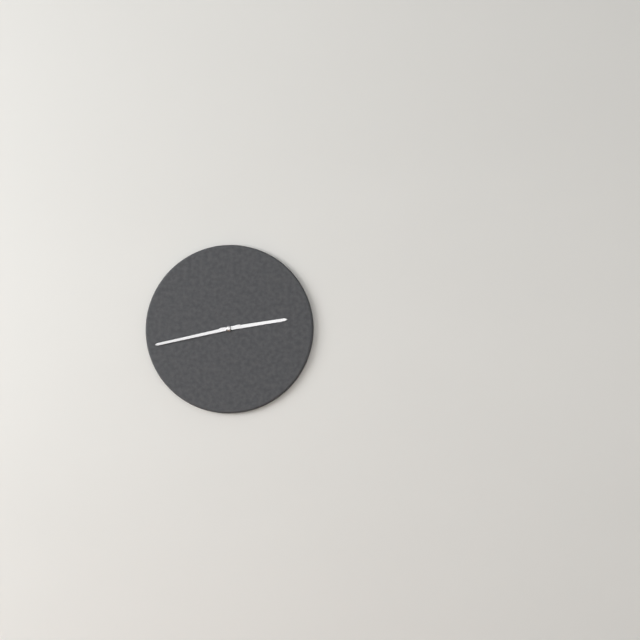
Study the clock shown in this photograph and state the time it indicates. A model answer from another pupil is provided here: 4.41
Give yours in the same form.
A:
2.43
